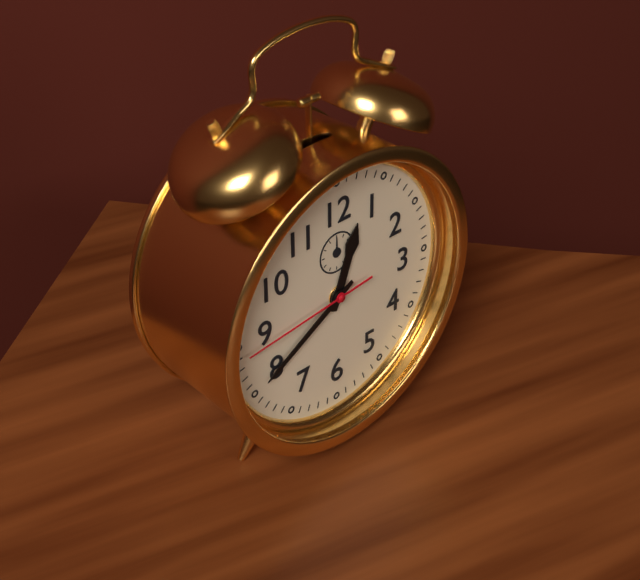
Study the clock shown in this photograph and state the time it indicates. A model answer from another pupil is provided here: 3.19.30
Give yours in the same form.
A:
12.40.44
